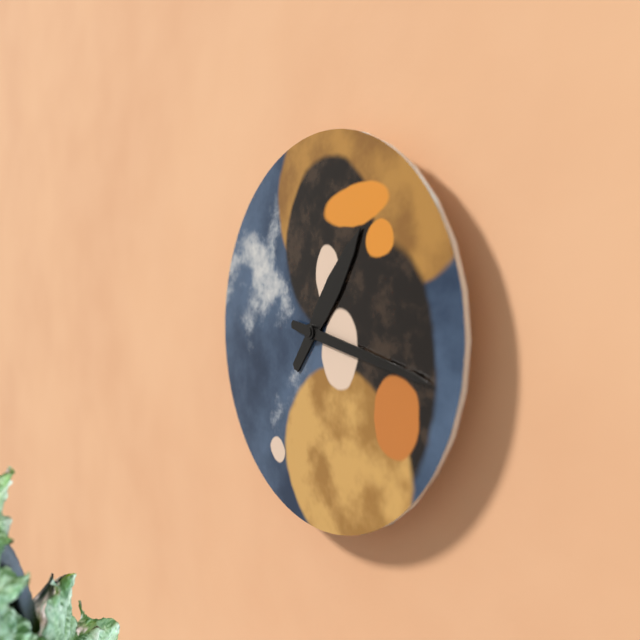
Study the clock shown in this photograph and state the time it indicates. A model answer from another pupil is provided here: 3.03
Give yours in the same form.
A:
1.17
